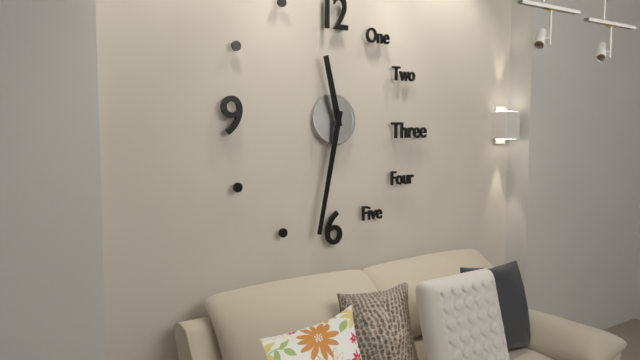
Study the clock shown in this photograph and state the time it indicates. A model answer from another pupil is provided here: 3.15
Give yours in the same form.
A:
11.32
